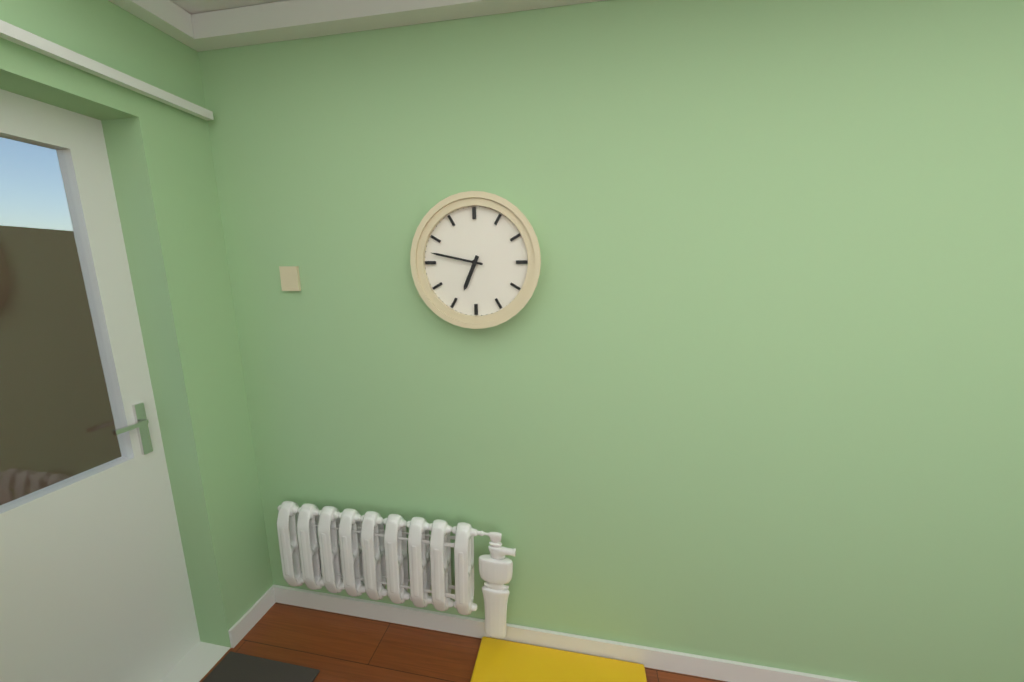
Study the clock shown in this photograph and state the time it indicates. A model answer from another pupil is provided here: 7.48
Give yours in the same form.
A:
6.47
